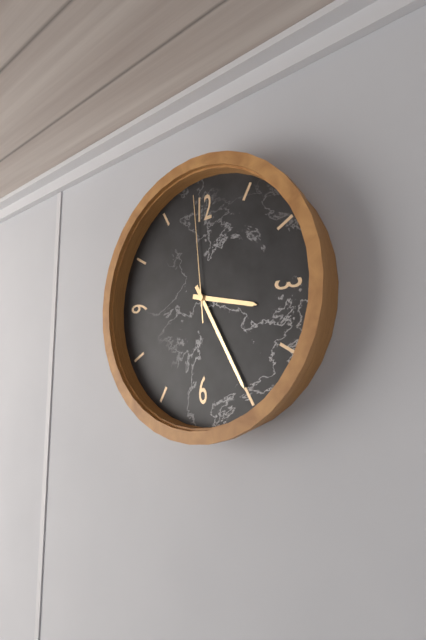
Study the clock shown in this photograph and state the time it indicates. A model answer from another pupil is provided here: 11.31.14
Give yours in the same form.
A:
3.25.59
